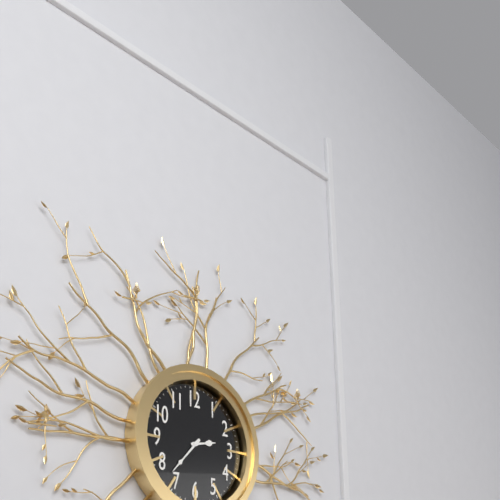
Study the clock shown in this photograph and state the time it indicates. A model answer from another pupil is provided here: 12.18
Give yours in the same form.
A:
2.37
